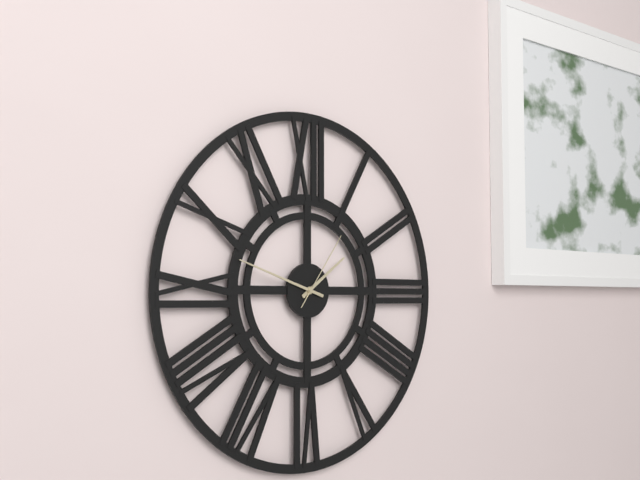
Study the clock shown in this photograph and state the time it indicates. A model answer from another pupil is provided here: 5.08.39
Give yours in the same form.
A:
1.48.06
